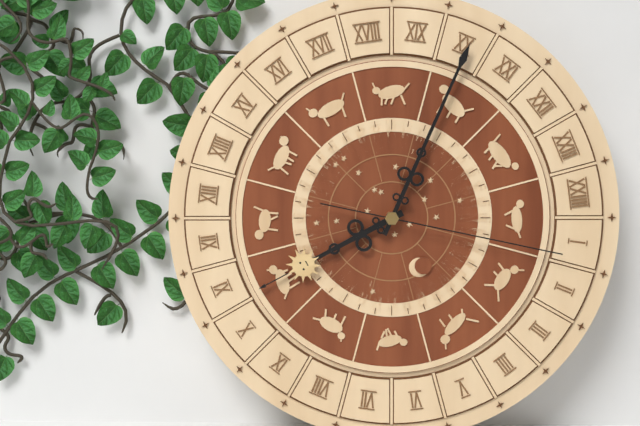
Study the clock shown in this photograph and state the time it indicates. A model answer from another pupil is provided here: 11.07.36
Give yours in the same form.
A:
8.04.17
